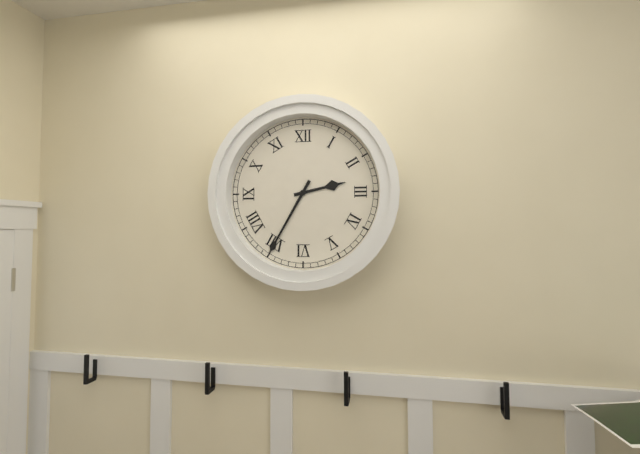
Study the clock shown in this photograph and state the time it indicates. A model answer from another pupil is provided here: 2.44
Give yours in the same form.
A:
2.35
